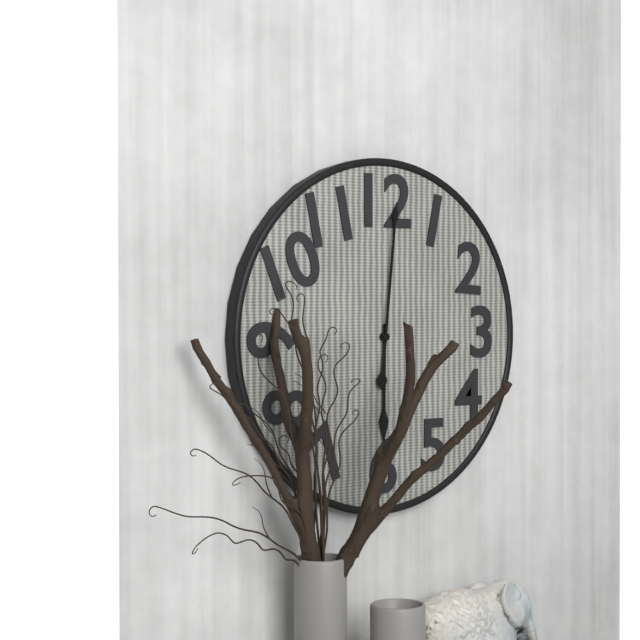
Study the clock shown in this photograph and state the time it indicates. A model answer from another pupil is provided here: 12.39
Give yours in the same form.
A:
6.01
